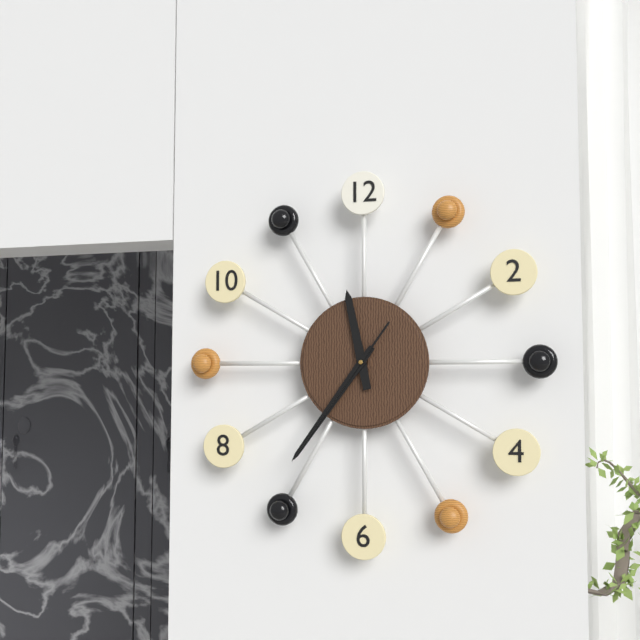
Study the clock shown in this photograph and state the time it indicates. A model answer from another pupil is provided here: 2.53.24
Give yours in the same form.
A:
11.36.36
